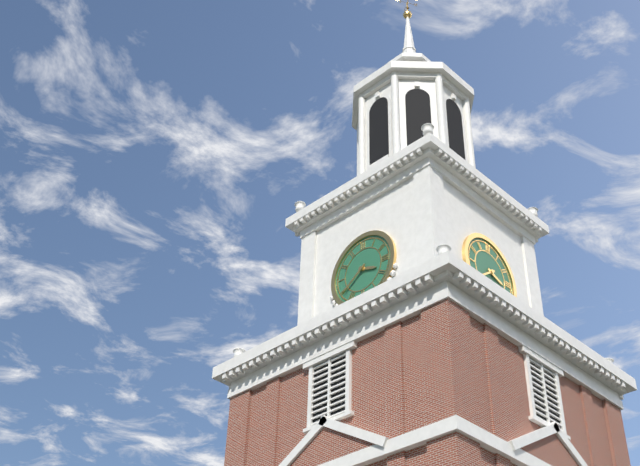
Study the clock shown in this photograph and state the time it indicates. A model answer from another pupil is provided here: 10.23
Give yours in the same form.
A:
3.39
